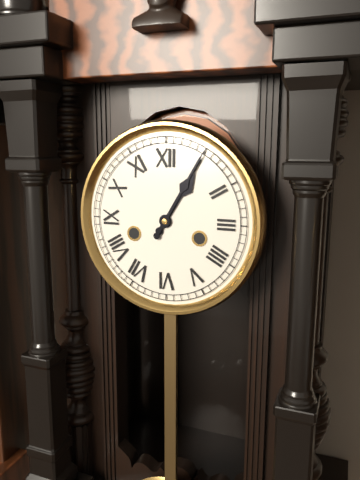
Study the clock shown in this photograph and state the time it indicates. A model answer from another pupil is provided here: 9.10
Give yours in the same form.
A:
1.05
